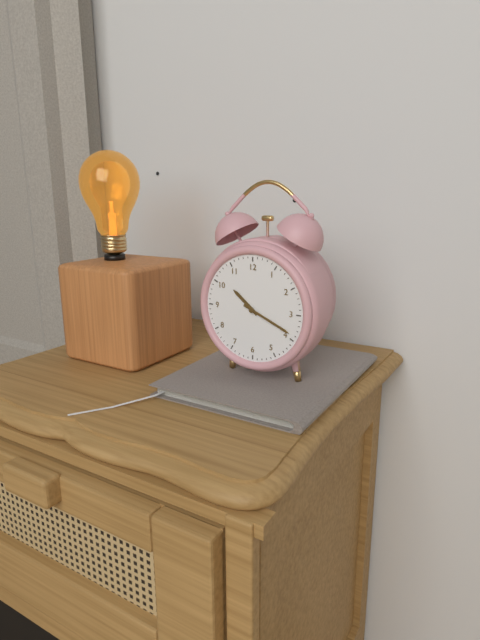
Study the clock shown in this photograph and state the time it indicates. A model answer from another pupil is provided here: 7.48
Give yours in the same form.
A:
10.19
